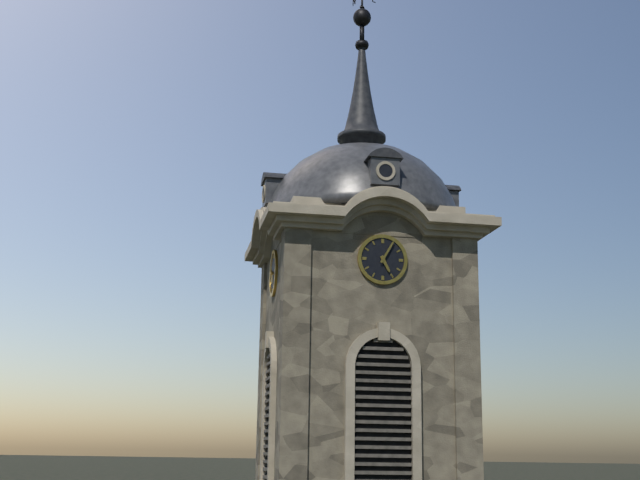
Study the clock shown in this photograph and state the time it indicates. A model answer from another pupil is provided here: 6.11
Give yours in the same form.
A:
5.05
